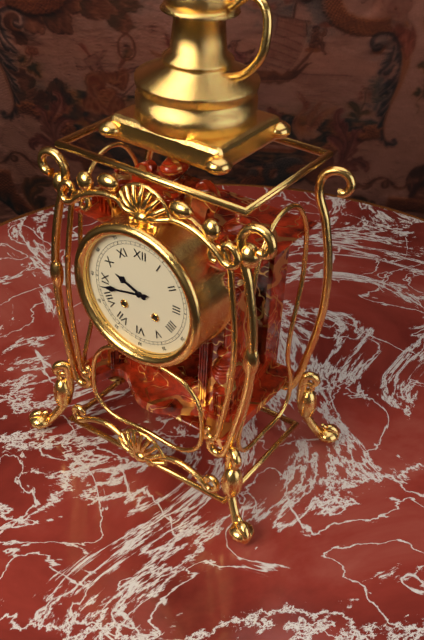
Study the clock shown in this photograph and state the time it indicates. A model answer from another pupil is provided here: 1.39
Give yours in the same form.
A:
9.43
